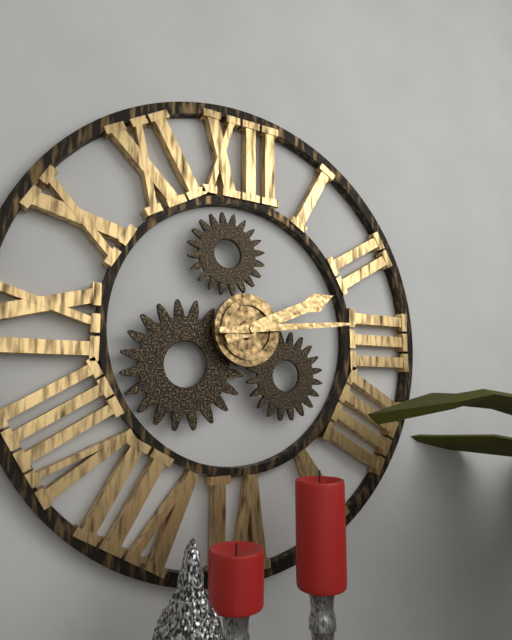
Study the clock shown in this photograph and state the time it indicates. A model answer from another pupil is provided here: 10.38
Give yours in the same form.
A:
2.14
